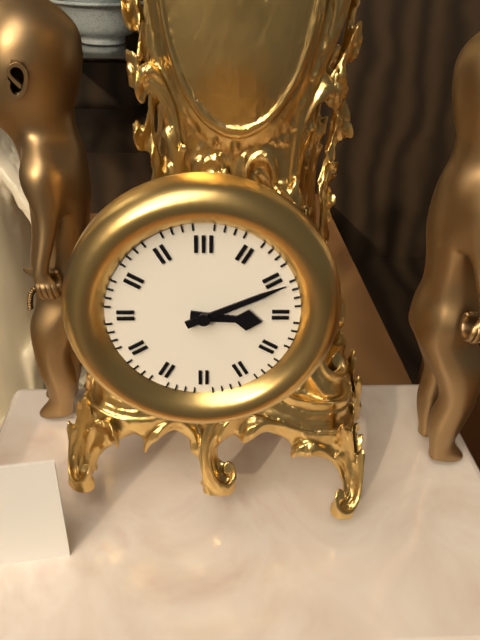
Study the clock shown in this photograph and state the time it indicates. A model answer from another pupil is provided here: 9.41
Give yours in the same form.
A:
3.11
